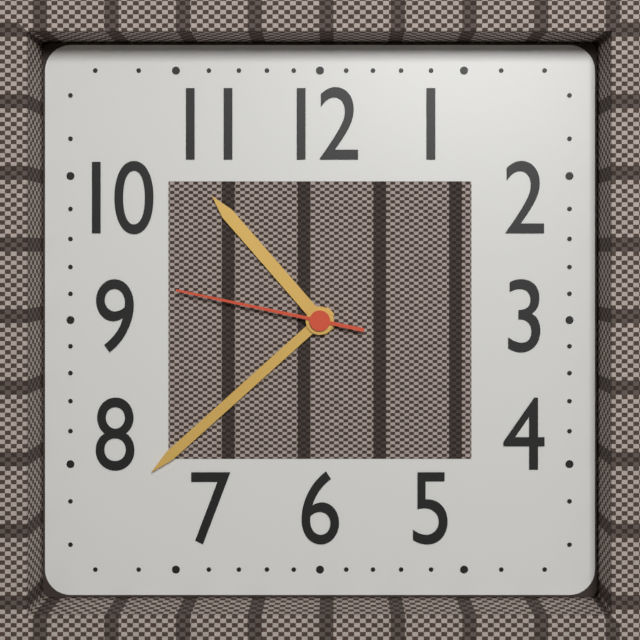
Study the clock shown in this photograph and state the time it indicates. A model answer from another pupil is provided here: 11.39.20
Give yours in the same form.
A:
10.38.47
